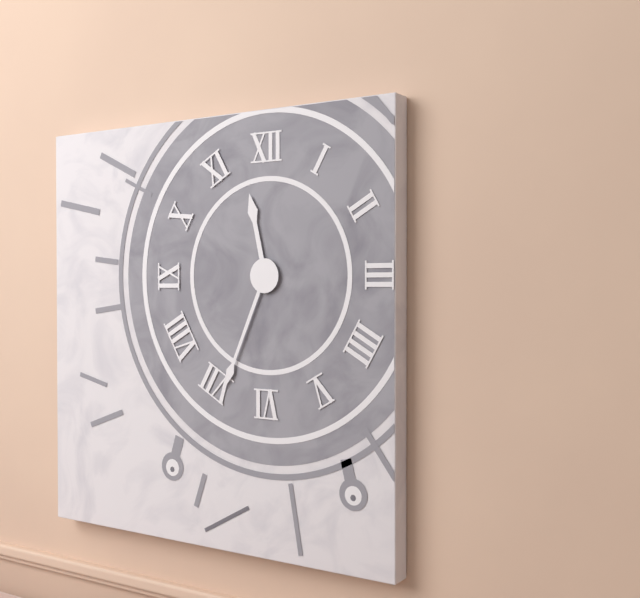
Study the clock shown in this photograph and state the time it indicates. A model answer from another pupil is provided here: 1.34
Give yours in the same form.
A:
11.34
